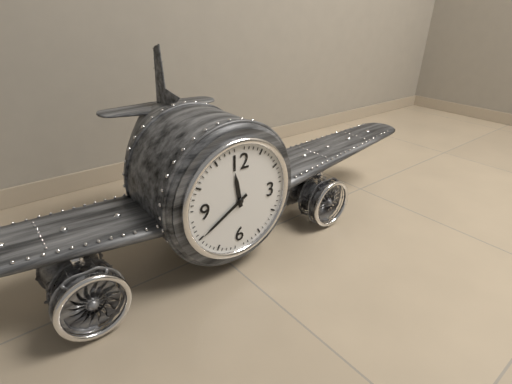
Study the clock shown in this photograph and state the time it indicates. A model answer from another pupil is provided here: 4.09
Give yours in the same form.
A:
11.40
